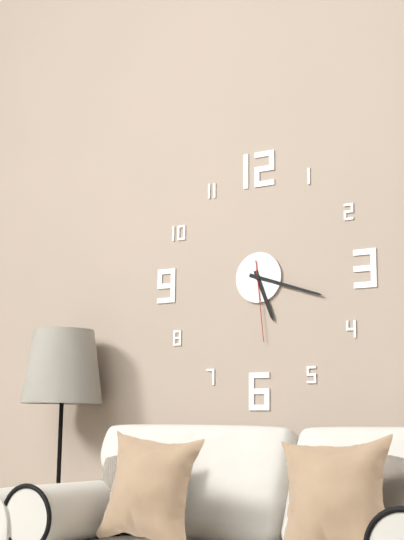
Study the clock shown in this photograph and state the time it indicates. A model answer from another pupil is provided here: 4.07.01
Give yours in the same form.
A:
5.18.29
